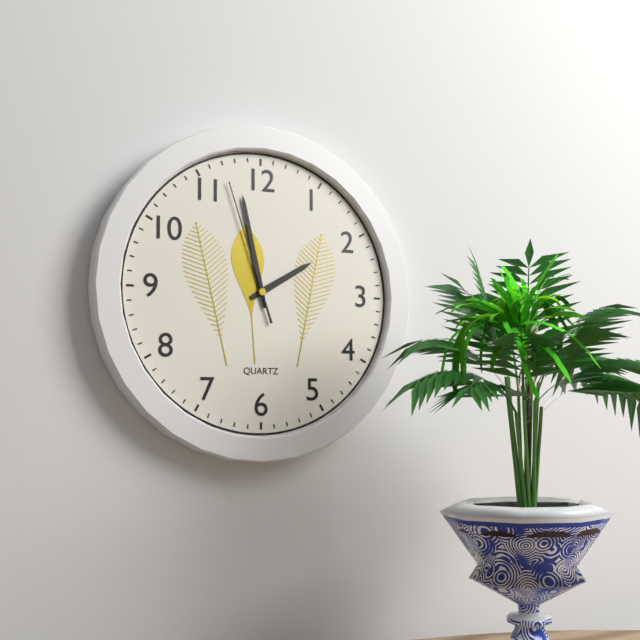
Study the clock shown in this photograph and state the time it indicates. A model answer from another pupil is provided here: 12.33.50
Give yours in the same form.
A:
1.58.57
